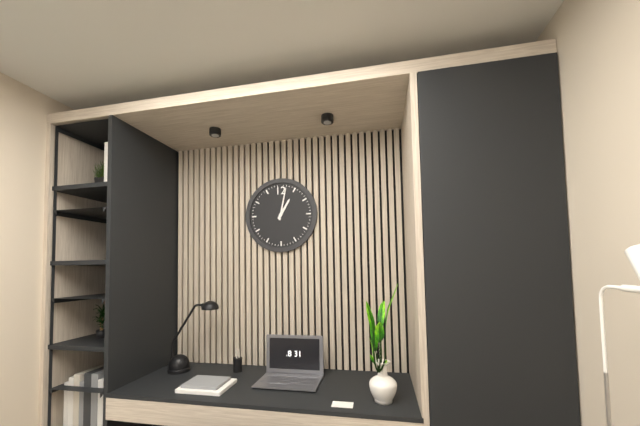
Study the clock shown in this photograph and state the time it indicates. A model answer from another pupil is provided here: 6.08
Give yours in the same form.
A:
1.02
